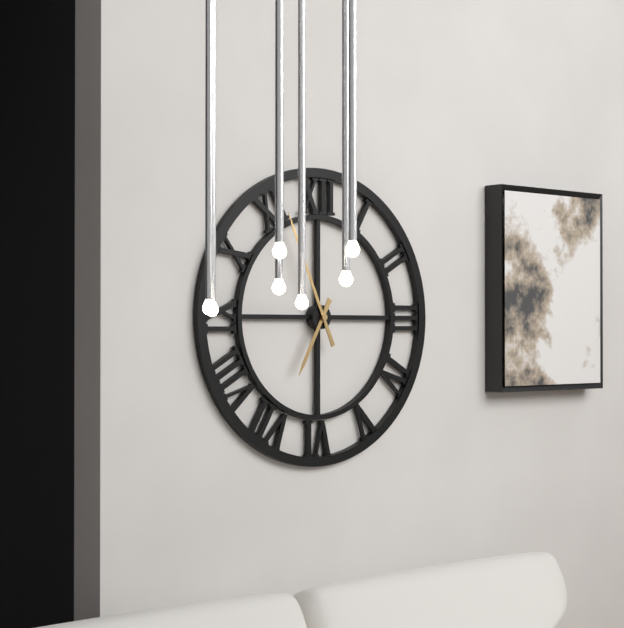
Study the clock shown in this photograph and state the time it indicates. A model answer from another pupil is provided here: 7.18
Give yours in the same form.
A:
6.56
